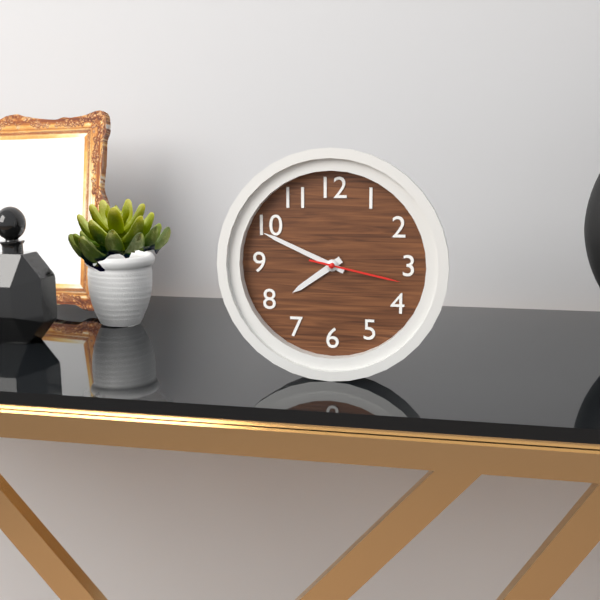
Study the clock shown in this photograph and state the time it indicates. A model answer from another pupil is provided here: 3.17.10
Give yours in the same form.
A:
7.49.17
